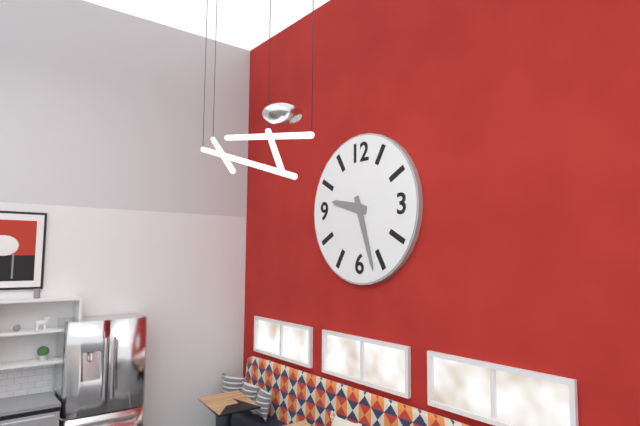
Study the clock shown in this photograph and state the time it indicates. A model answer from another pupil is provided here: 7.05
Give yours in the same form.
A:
9.27
